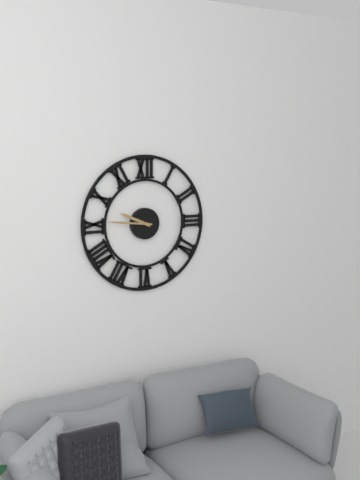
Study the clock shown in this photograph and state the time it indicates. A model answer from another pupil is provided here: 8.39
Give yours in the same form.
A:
9.46
